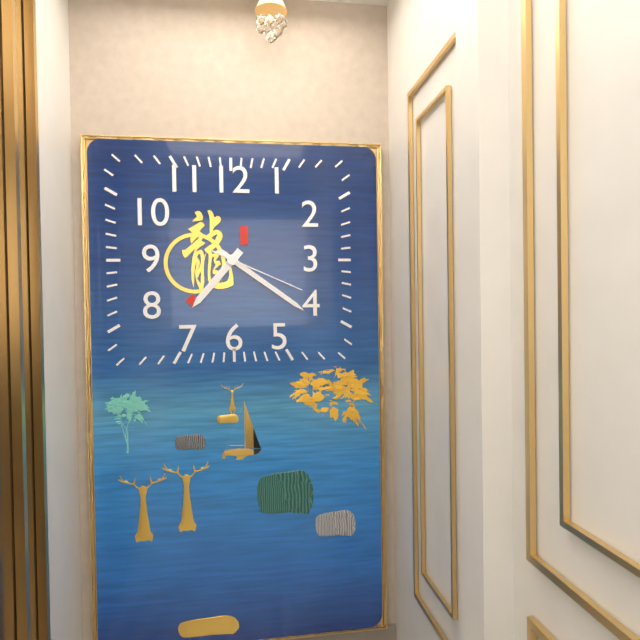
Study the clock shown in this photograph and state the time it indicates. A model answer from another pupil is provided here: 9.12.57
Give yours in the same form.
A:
7.21.19
